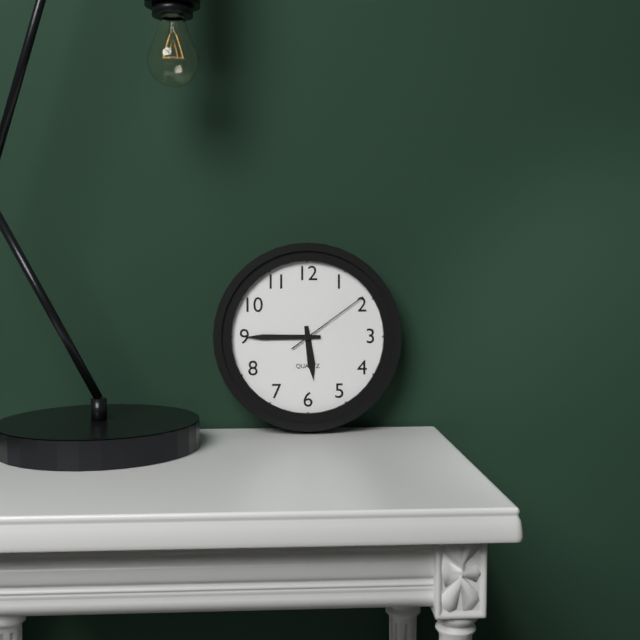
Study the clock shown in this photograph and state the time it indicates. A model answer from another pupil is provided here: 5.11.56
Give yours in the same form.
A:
5.45.09
